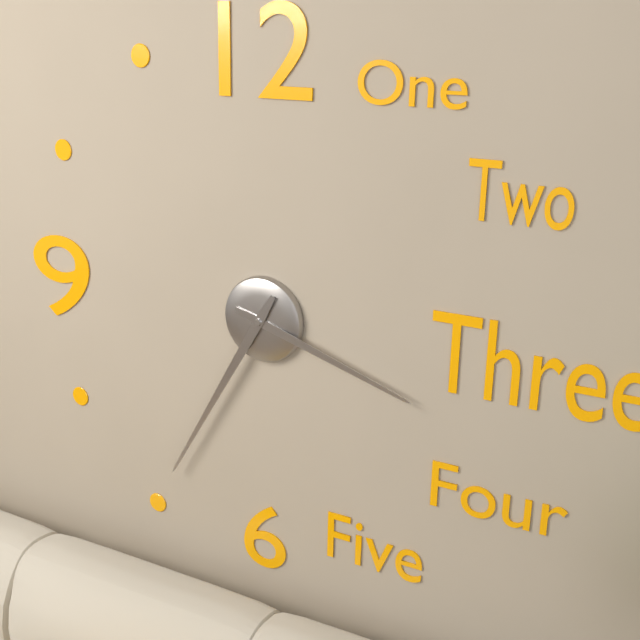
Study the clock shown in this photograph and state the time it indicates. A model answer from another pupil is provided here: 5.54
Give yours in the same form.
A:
3.35
